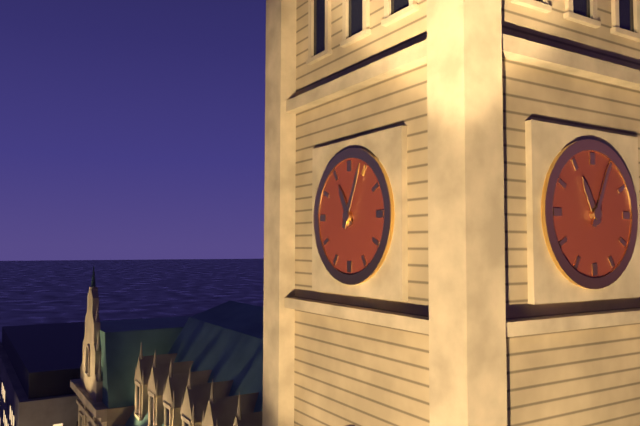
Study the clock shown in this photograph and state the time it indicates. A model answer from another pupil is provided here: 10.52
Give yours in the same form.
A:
11.04
